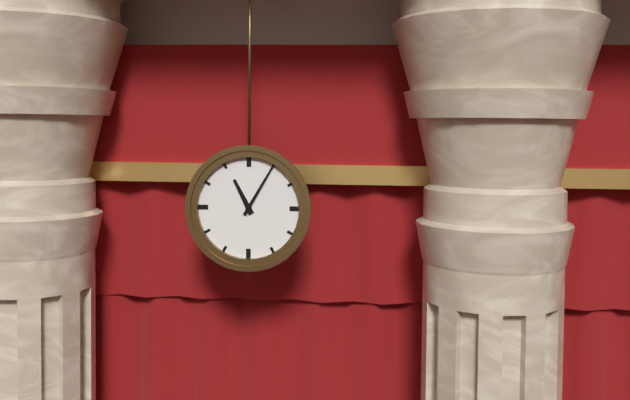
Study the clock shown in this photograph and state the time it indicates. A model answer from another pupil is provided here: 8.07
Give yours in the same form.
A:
11.05
